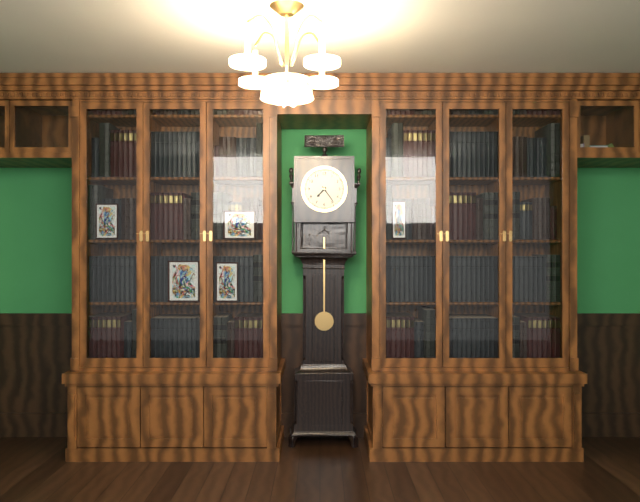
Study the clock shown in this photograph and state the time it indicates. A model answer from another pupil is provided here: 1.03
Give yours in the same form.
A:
7.24
